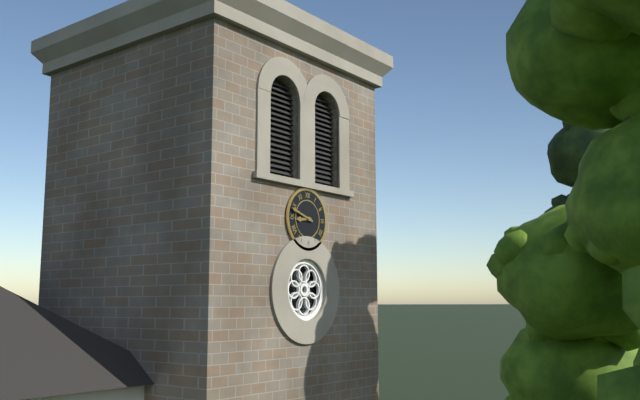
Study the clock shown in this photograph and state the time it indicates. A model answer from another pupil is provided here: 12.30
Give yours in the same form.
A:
8.48
